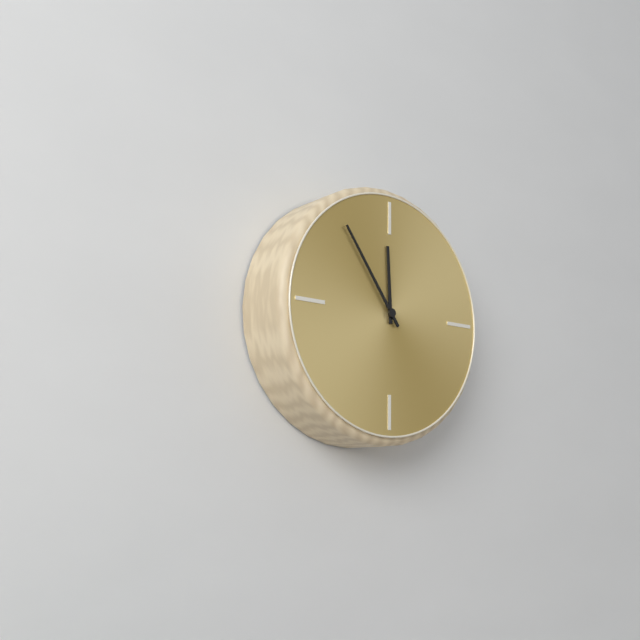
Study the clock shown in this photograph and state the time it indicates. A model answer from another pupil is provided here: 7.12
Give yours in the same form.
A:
11.54
